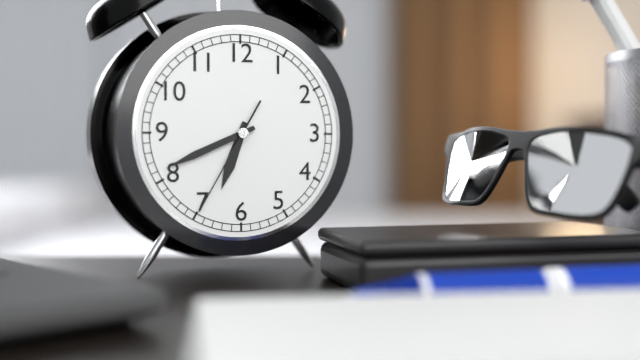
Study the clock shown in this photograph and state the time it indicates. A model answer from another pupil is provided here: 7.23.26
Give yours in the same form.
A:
6.41.35
